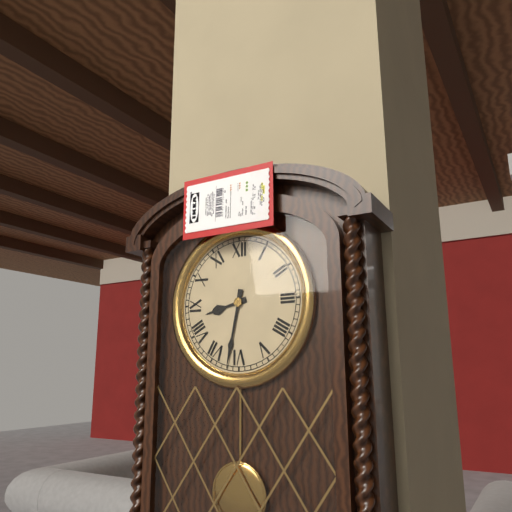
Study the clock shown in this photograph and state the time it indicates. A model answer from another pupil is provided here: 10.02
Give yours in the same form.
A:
8.32
